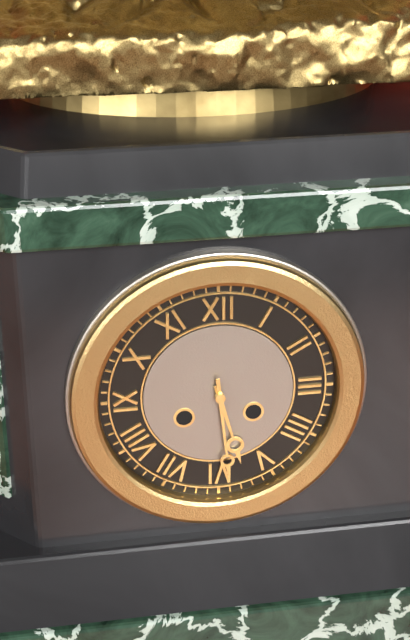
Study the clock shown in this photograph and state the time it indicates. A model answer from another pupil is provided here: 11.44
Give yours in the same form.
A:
5.29
